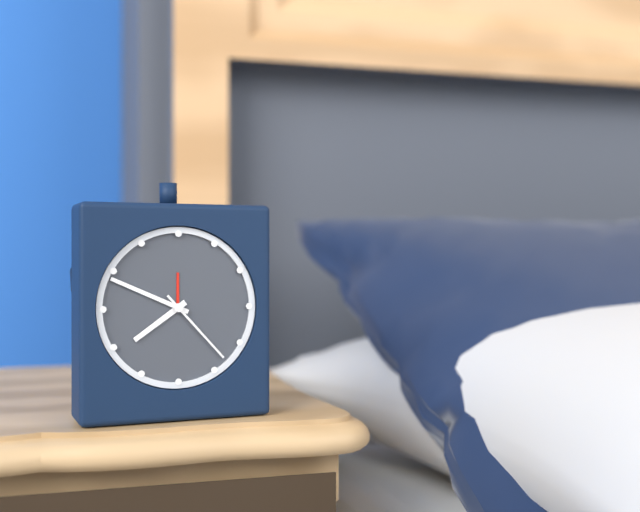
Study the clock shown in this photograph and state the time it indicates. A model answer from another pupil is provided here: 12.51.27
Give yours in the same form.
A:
7.49.23
